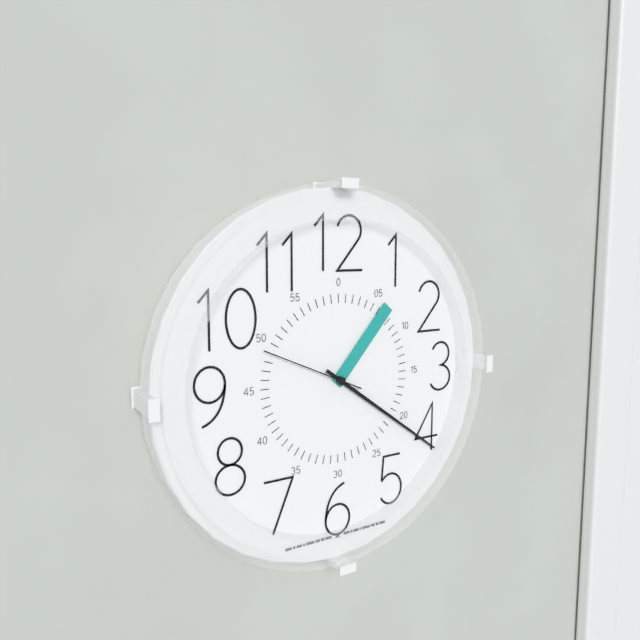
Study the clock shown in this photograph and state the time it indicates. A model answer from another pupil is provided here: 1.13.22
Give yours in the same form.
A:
1.21.49
